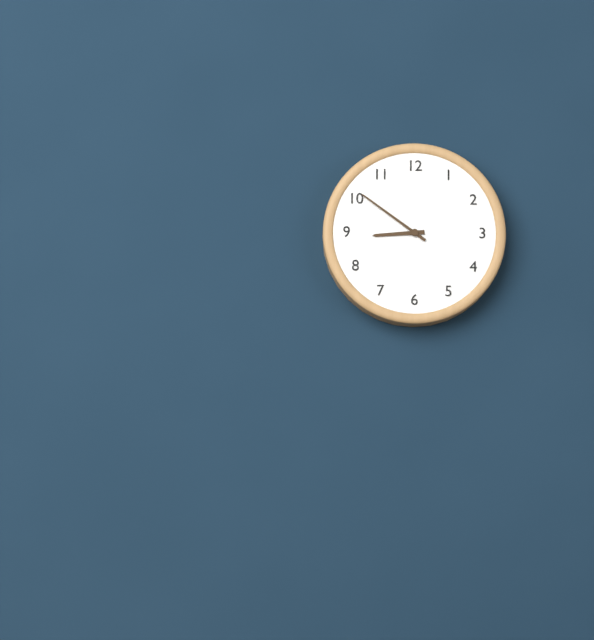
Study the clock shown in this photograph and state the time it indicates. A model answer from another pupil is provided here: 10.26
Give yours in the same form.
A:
8.51
